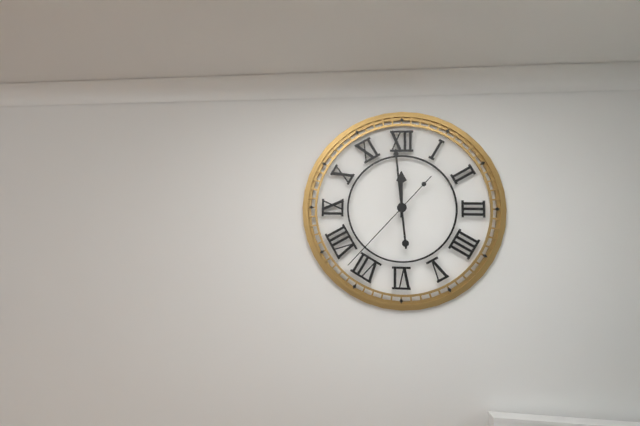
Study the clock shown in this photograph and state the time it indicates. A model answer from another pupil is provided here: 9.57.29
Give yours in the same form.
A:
11.59.37
